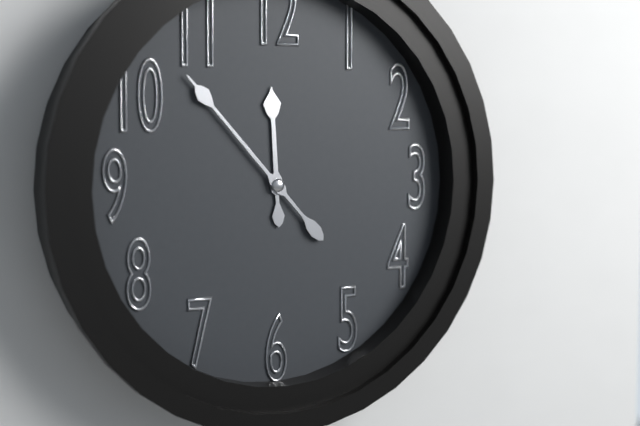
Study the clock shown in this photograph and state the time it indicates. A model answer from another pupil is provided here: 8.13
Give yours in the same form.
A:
11.53
